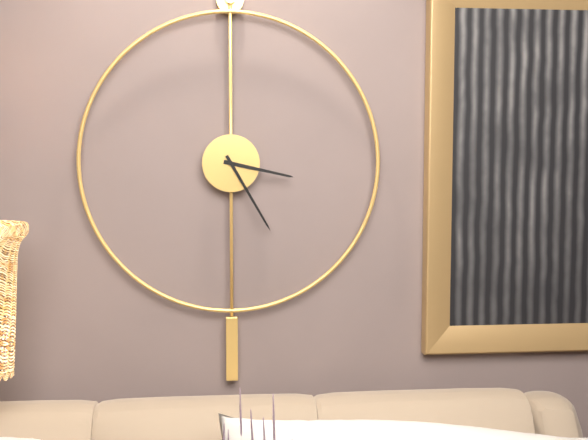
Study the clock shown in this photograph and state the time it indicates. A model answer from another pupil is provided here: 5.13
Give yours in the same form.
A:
3.25
